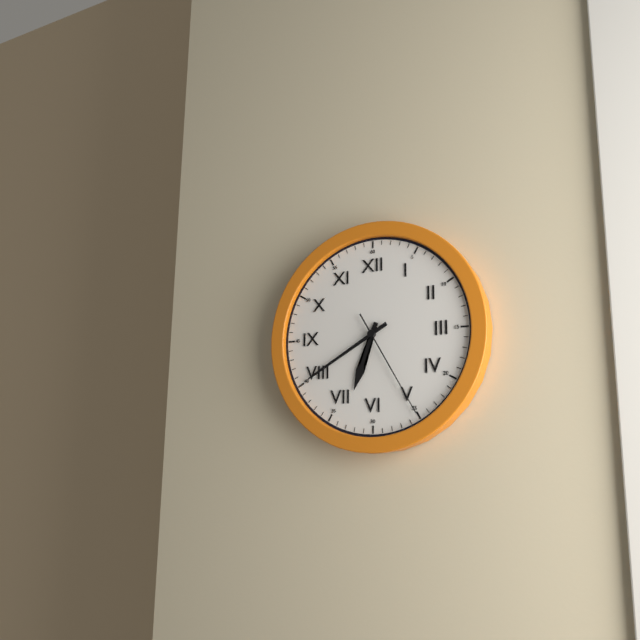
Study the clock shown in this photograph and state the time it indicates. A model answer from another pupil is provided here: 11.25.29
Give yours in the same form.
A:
6.40.25
